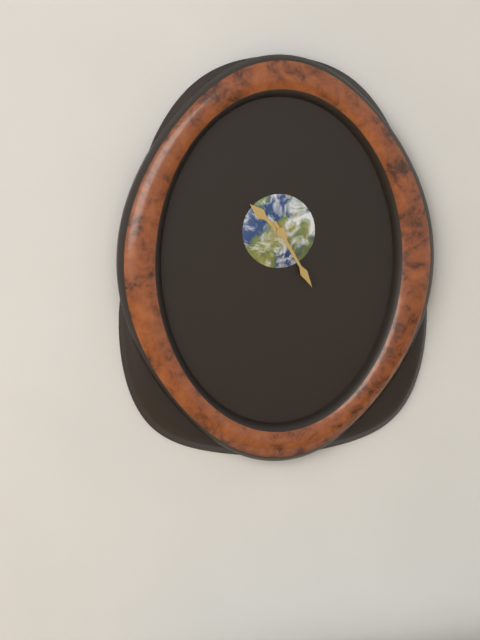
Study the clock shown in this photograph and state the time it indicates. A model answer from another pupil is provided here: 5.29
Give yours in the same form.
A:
10.25
